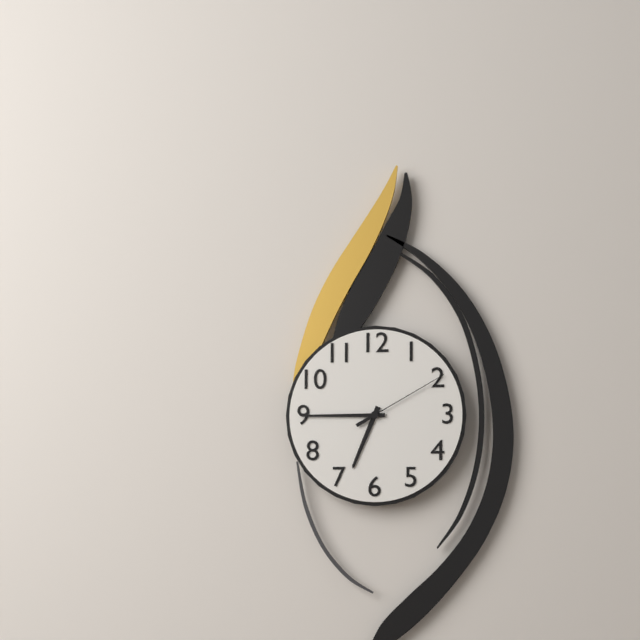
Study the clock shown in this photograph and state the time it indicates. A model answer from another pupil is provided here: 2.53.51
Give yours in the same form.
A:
6.45.10
